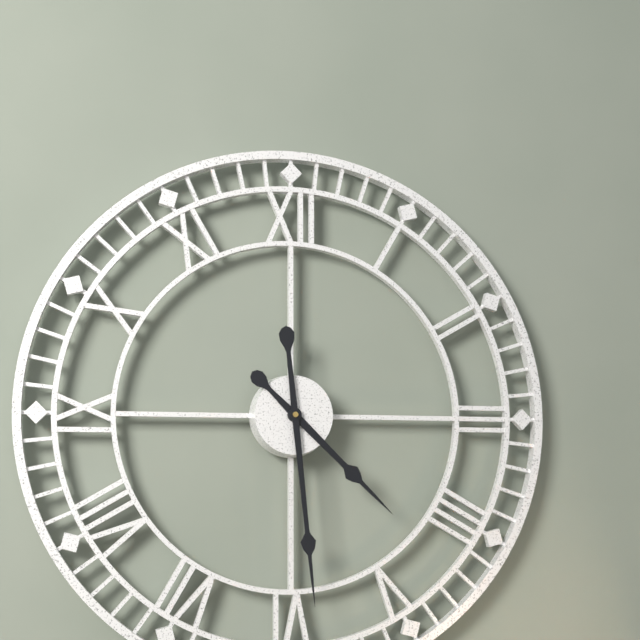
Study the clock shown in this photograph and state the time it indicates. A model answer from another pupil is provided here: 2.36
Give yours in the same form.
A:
4.29
